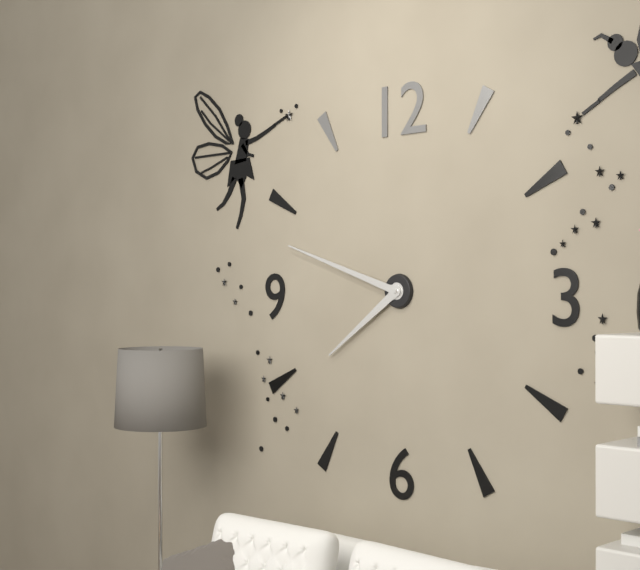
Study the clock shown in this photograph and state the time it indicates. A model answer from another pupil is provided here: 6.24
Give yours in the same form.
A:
7.48
